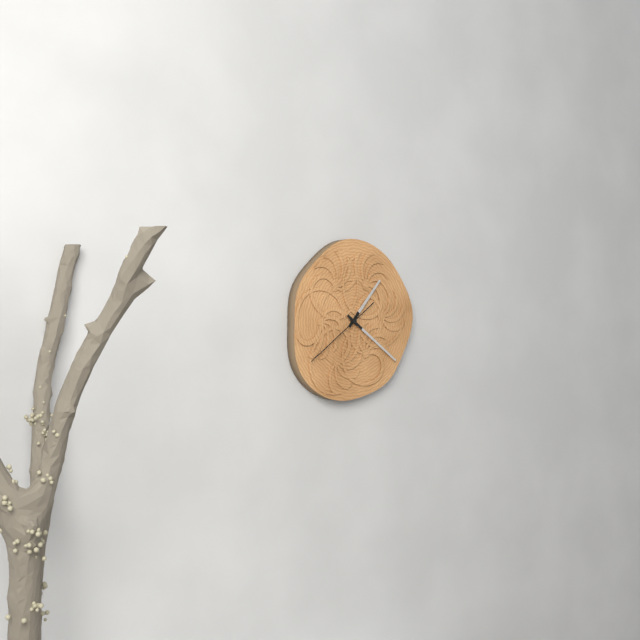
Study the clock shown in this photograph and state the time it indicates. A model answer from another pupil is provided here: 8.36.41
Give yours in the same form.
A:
1.21.39
